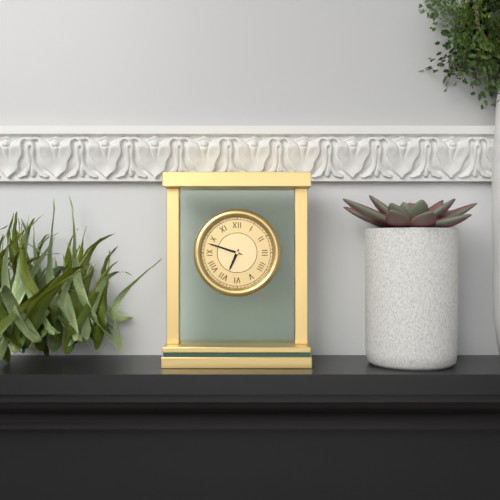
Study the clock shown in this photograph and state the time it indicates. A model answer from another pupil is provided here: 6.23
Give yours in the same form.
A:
6.48
